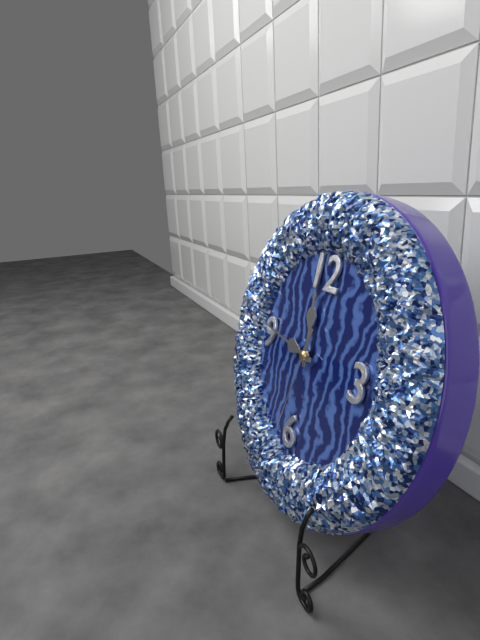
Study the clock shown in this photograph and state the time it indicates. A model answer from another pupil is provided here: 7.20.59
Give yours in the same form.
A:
11.46.32
